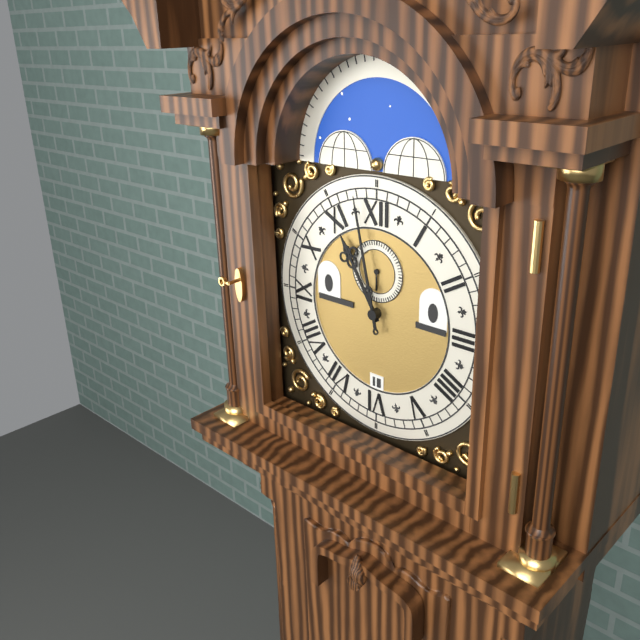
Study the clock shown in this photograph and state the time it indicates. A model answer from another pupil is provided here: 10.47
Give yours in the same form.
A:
10.58
